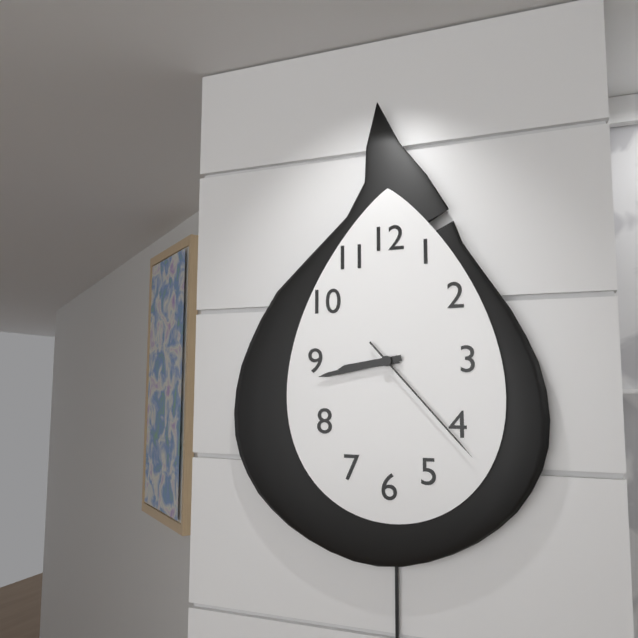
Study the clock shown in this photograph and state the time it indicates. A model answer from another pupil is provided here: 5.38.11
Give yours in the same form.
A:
8.43.23
